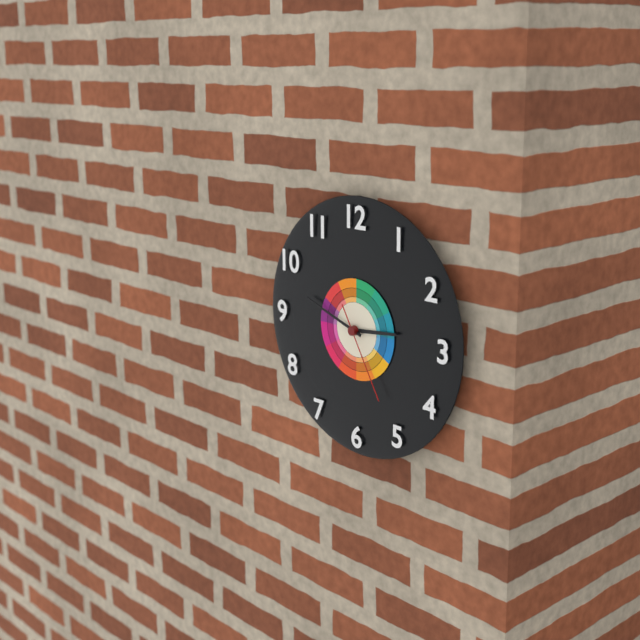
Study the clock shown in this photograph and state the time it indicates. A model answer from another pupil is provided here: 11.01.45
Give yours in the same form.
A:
2.48.25
